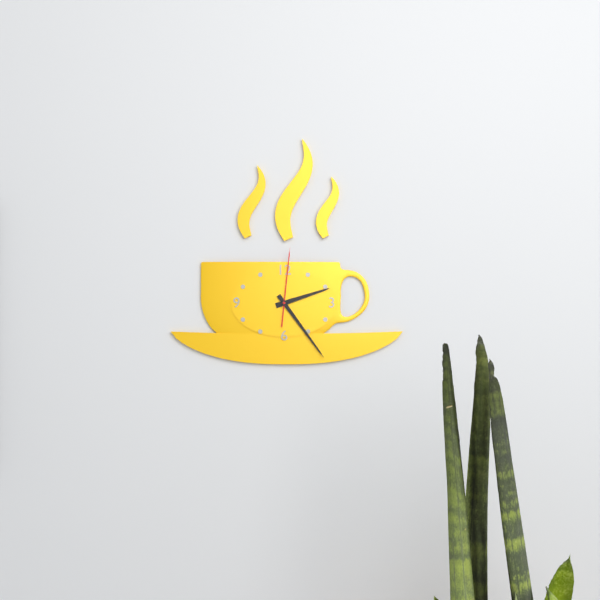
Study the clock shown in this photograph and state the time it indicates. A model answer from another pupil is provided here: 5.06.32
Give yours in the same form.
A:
2.24.01
